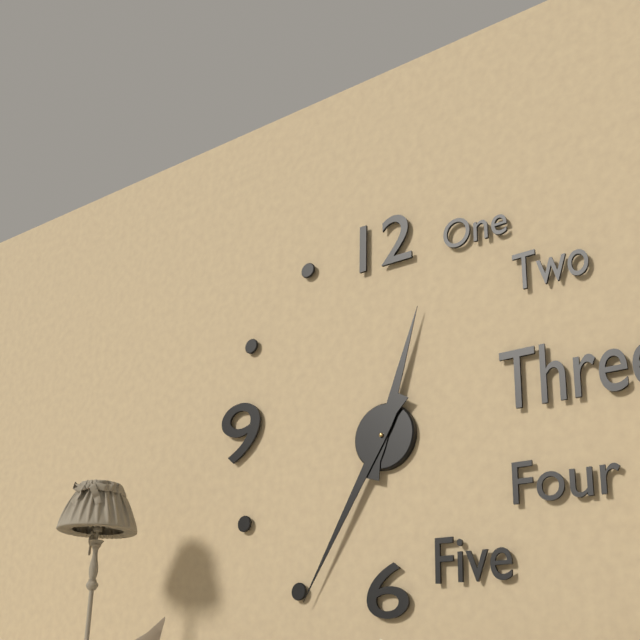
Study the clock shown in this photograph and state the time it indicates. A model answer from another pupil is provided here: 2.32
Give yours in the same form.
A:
12.35
